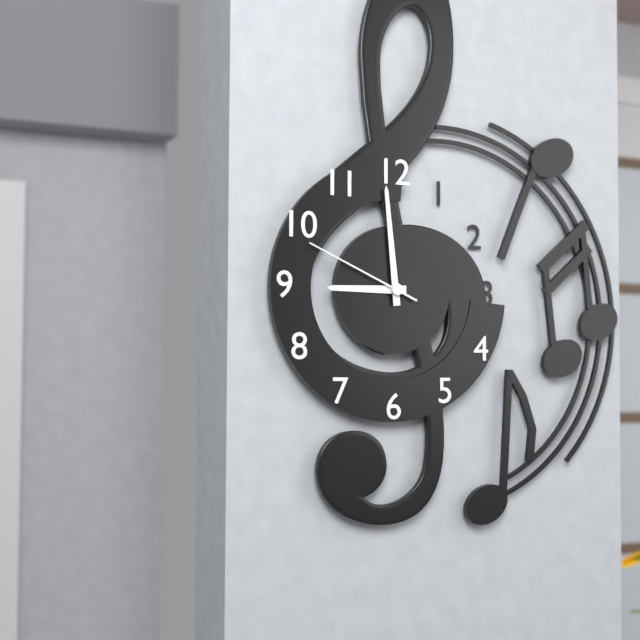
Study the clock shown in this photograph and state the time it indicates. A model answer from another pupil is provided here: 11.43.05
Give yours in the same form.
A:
8.59.49
